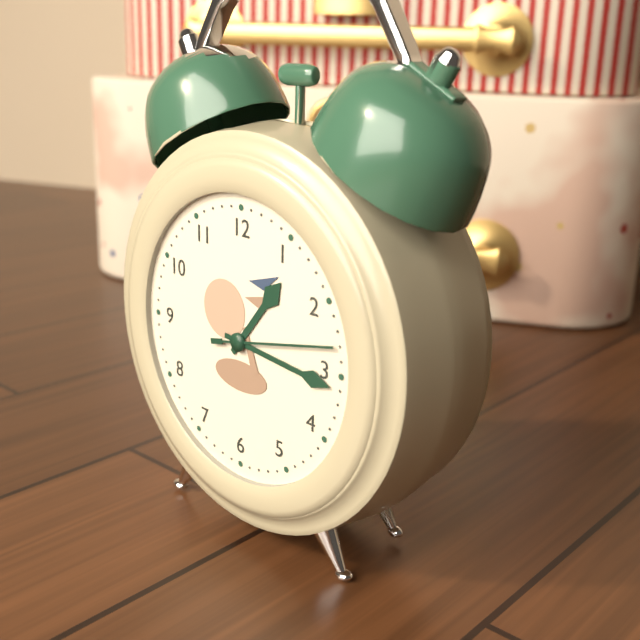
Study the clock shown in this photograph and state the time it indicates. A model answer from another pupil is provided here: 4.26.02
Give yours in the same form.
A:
1.16.13
